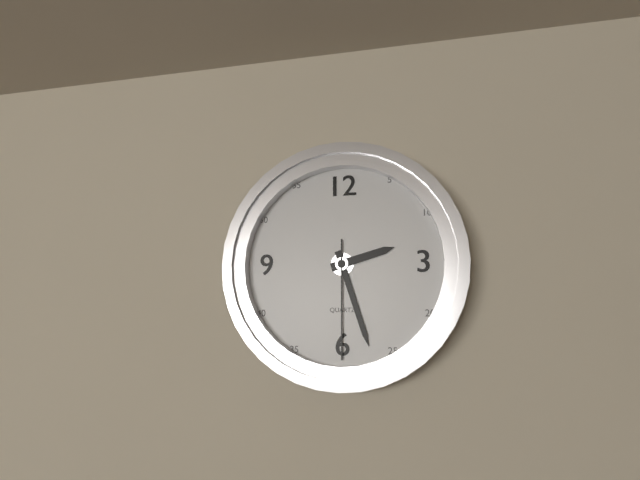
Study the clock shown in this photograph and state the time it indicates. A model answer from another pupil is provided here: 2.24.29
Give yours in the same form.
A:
2.27.30
